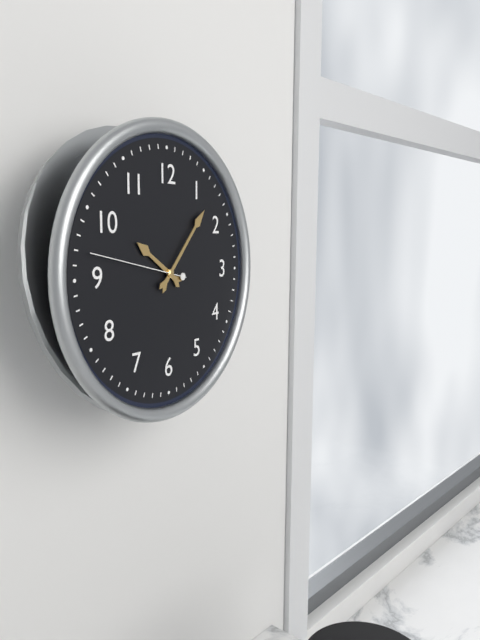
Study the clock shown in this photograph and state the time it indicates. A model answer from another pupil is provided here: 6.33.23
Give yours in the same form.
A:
10.07.47
